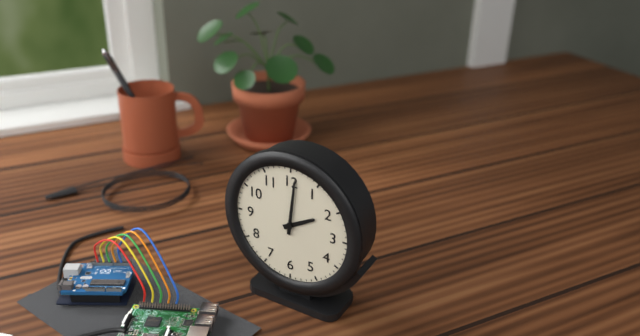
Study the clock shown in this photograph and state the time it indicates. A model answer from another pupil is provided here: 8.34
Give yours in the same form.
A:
2.01
